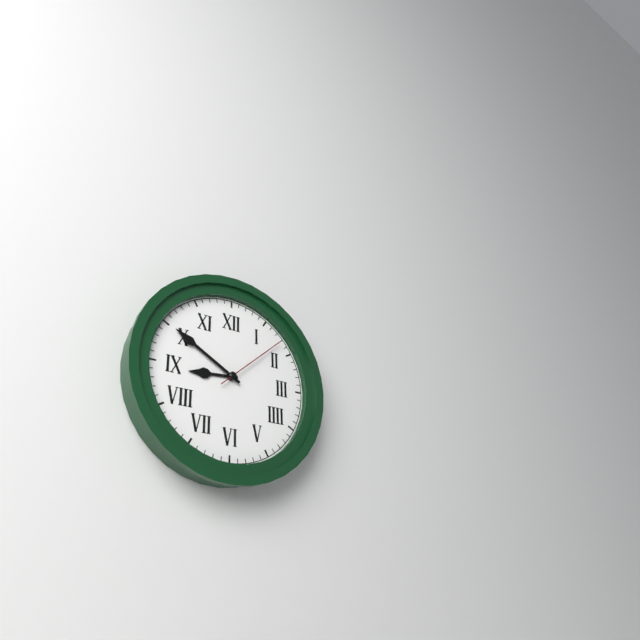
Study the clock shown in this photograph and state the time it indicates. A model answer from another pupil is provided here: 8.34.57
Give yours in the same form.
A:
8.50.08
